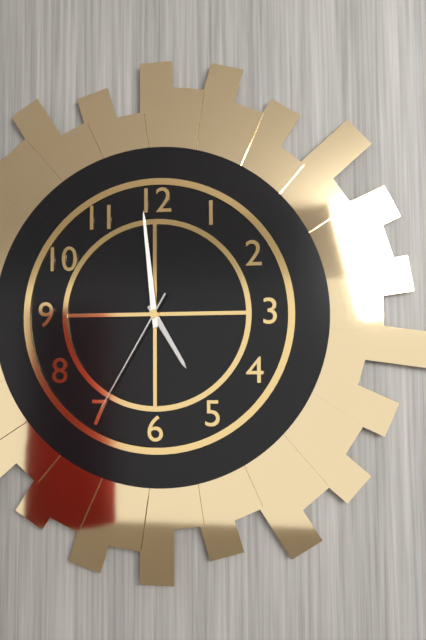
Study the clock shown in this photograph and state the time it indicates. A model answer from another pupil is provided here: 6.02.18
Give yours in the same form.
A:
4.59.35
